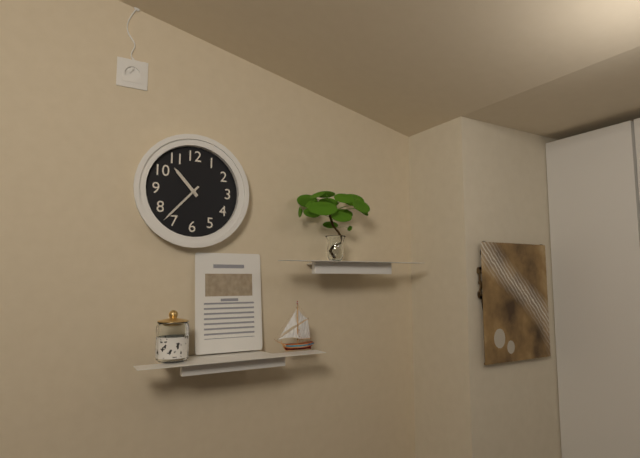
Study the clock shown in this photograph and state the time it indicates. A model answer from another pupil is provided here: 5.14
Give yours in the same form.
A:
10.37
